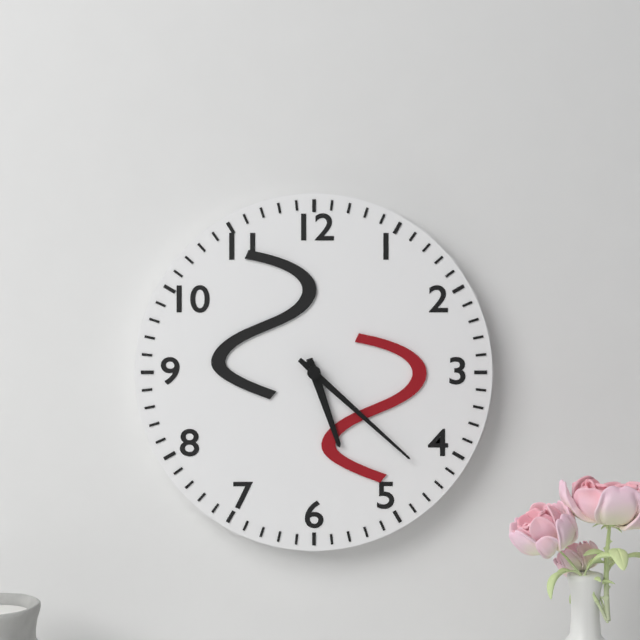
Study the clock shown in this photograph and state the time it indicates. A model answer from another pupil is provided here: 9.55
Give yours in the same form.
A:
5.22
